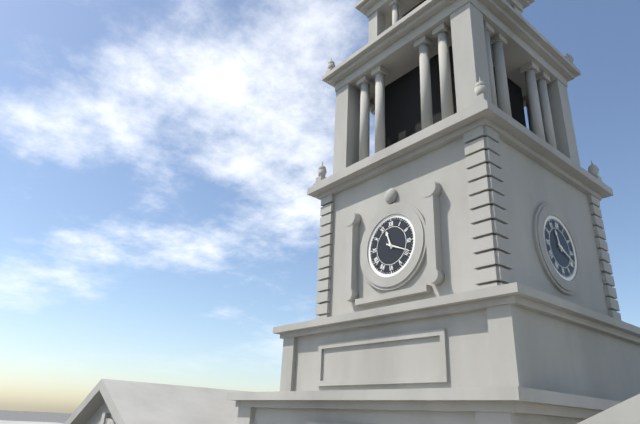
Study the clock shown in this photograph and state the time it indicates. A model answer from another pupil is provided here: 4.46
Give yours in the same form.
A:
11.19
